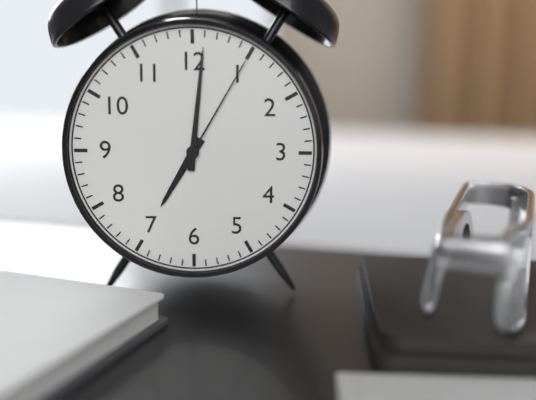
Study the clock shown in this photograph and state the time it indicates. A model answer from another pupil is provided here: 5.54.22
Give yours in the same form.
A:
7.01.05
